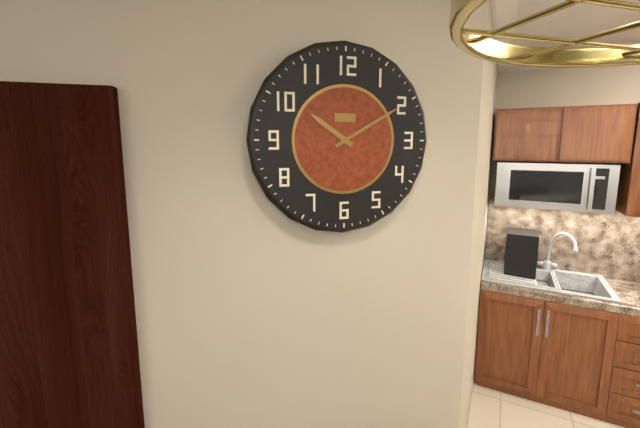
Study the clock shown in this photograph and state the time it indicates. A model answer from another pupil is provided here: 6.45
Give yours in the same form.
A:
10.10
